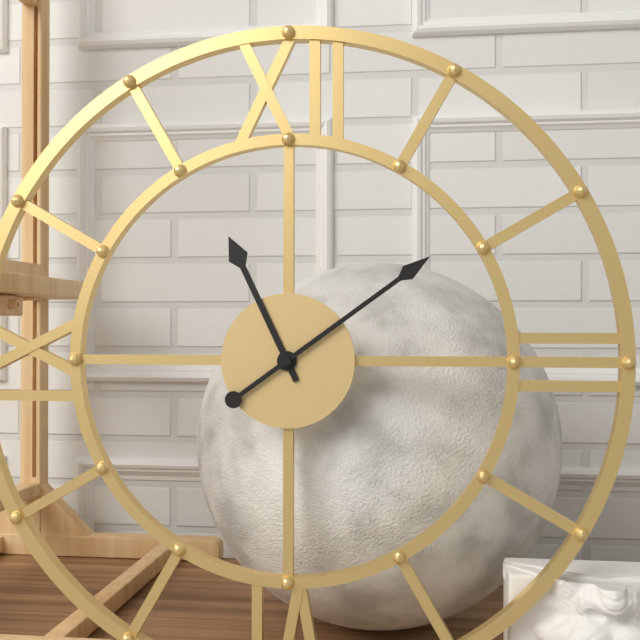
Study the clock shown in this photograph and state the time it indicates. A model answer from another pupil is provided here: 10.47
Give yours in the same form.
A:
11.09
